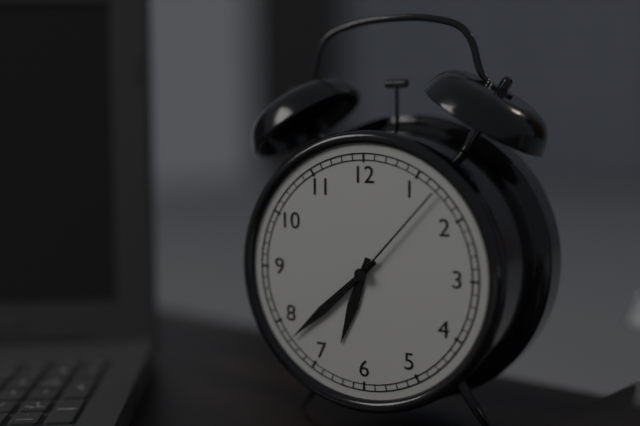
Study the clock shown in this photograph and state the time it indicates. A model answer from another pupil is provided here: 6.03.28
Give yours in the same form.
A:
6.38.07
